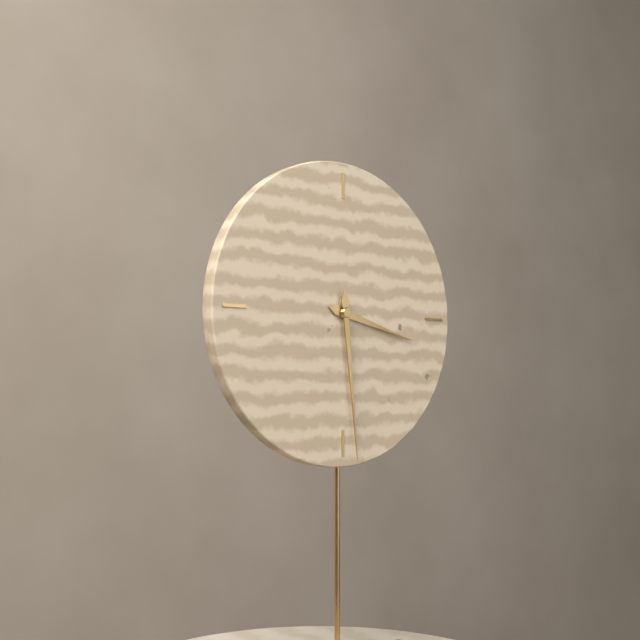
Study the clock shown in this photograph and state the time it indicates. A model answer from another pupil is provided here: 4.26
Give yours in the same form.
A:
3.29
